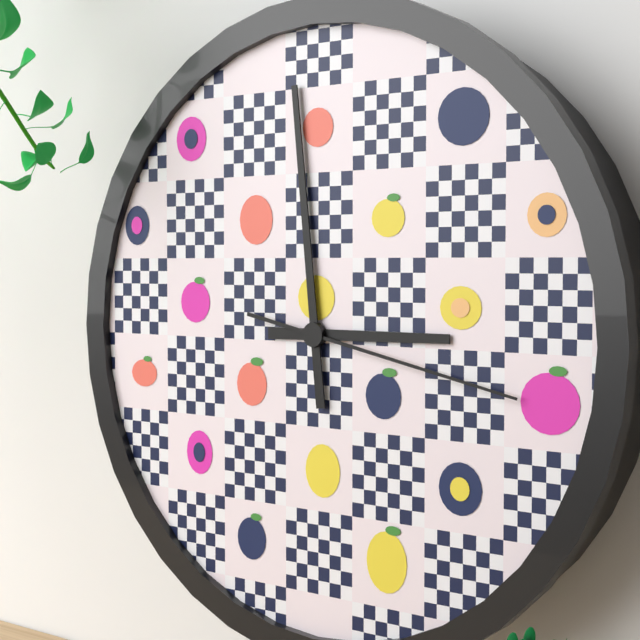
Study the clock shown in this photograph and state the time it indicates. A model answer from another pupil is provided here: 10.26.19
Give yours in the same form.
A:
2.59.17
